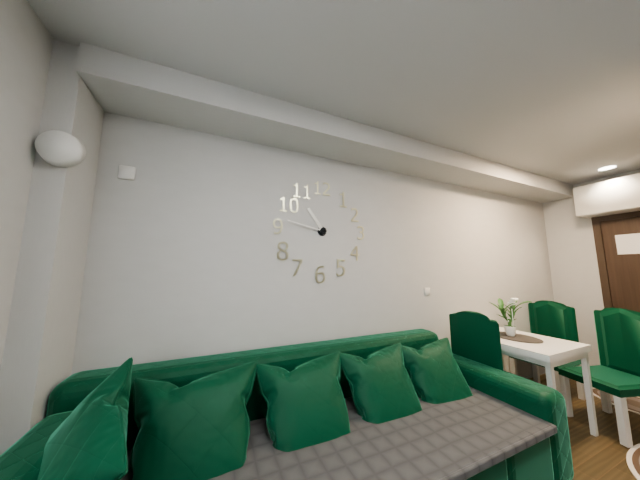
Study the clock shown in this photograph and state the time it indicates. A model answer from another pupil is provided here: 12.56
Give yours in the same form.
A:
10.47
